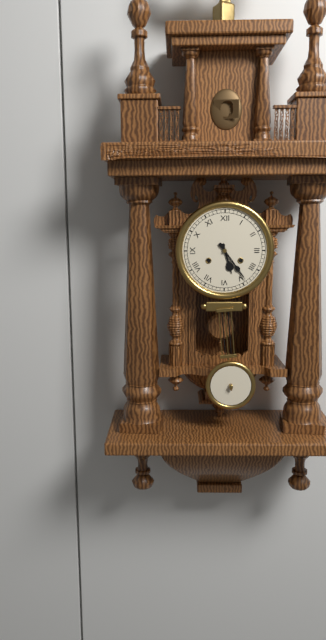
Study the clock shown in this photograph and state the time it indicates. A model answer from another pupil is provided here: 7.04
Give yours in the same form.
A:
5.24
